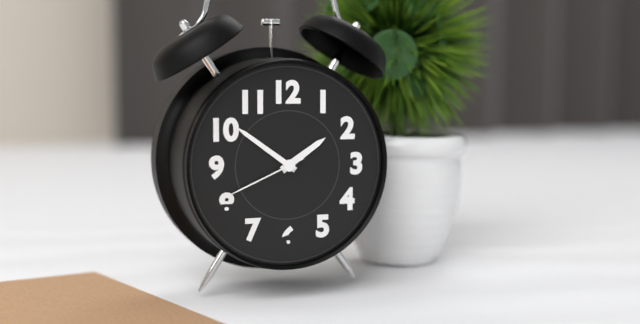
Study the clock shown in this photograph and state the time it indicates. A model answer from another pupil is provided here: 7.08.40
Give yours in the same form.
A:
1.51.41
